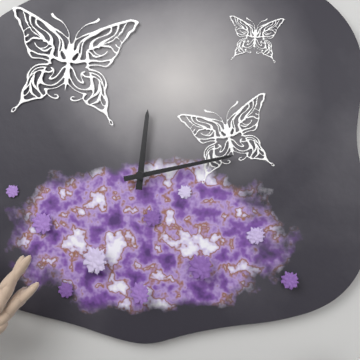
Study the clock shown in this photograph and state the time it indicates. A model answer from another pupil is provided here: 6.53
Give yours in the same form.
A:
12.13
